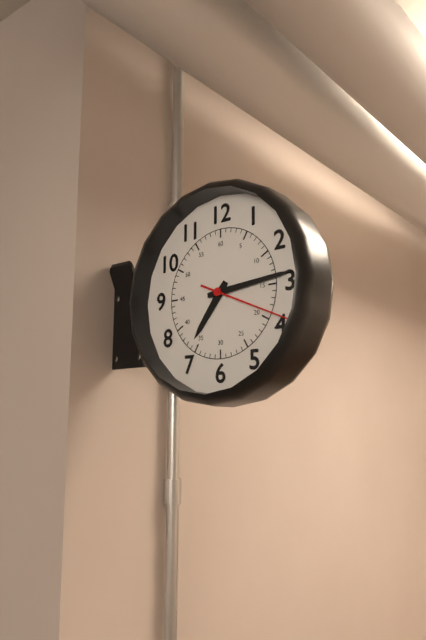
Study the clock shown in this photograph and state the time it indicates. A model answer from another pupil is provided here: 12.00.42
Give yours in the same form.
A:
7.14.19
